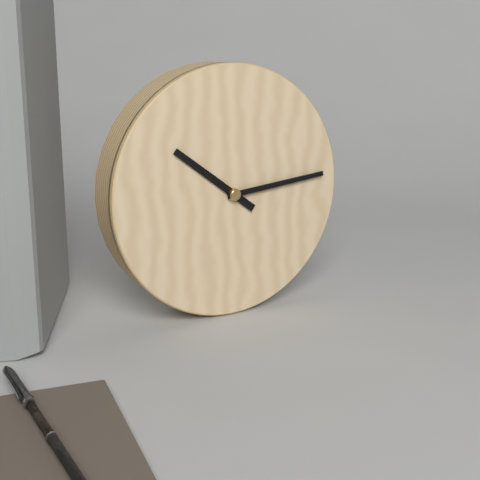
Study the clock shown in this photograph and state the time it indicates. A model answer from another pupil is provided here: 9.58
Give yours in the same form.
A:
10.14
